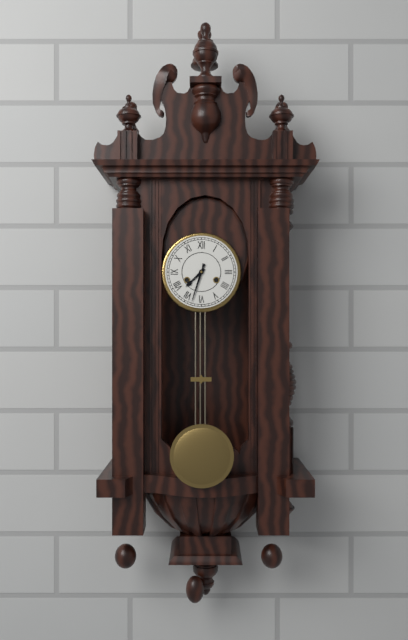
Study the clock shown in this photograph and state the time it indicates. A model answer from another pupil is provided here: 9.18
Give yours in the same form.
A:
7.33
